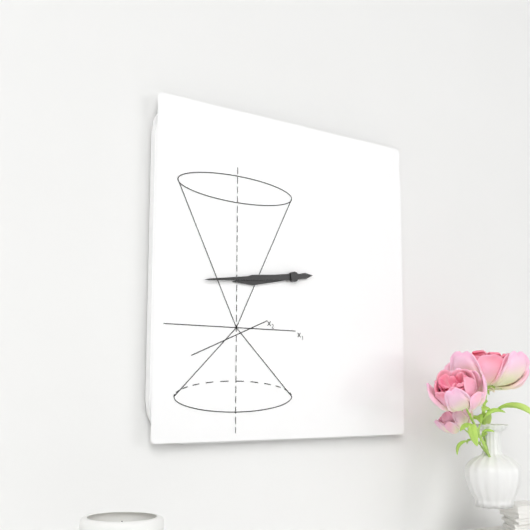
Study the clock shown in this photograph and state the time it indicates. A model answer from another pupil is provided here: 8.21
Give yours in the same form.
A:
8.44
